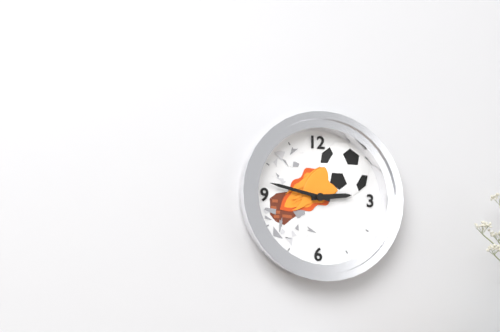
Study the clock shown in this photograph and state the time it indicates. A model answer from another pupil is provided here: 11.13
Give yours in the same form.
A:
2.47
